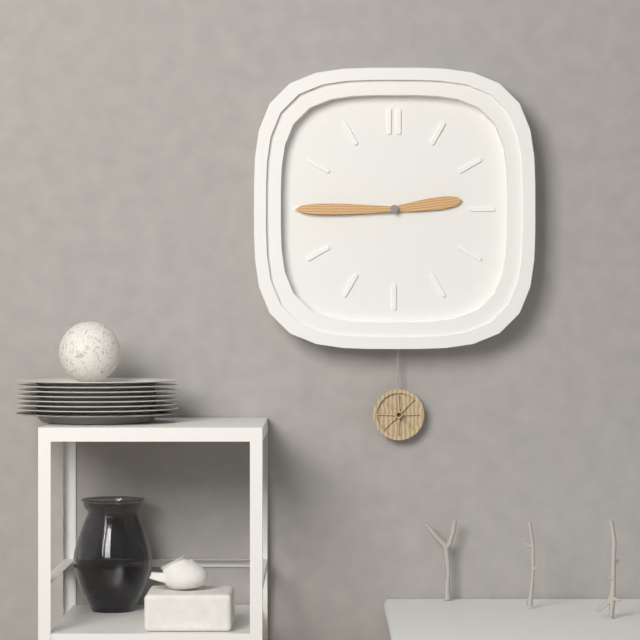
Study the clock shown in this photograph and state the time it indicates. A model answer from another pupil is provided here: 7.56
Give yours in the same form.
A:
2.45
